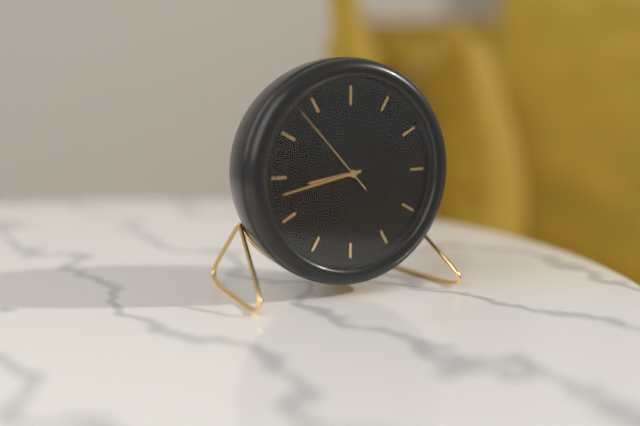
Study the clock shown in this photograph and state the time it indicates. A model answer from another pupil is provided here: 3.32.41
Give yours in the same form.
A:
8.43.53
